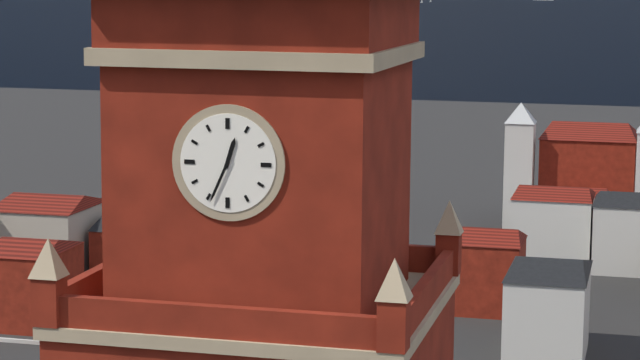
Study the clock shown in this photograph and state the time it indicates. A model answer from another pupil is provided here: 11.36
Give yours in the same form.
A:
12.34
